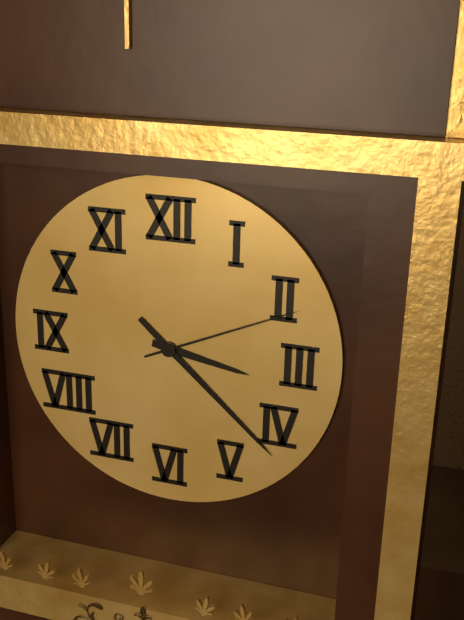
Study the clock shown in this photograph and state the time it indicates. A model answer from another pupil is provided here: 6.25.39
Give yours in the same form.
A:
3.22.11
